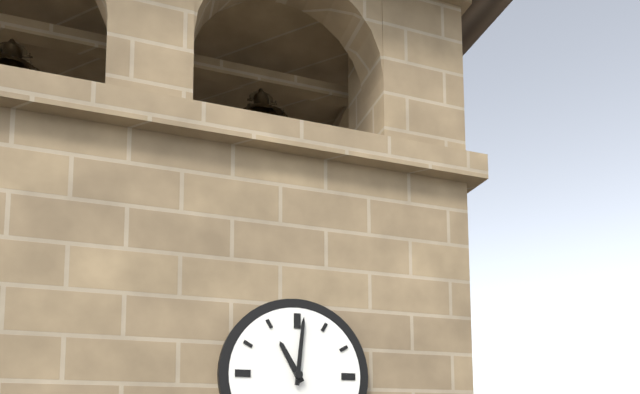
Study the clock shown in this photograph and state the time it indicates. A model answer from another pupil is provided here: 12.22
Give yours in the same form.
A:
11.01
